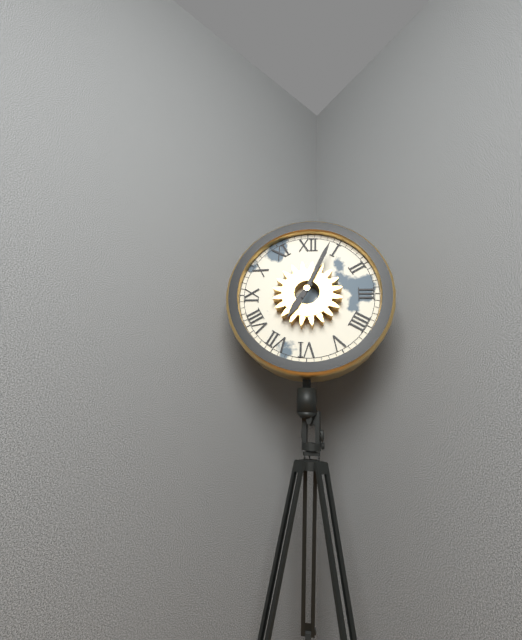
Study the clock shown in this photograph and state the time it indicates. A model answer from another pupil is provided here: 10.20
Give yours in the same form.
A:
7.04
